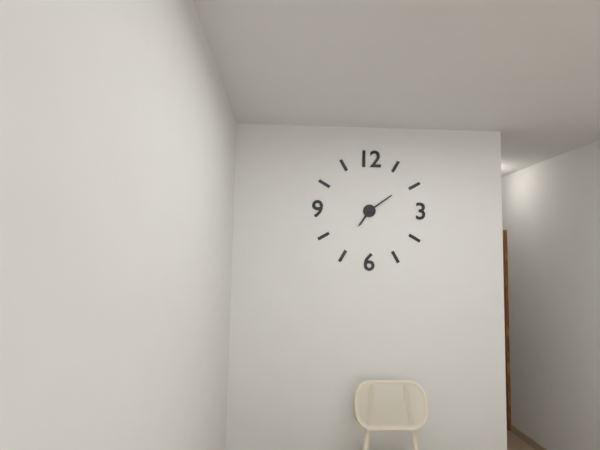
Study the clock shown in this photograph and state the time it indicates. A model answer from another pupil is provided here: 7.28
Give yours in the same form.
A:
7.09
